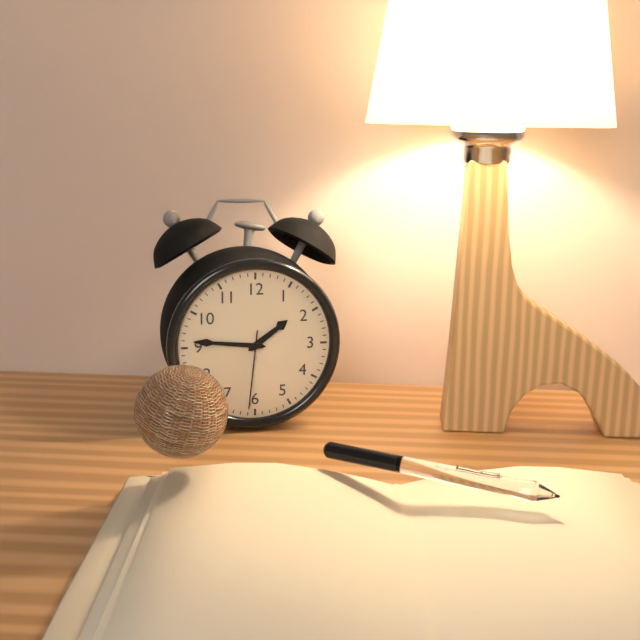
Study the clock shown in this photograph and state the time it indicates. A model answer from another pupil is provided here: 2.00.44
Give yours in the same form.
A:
1.46.31
